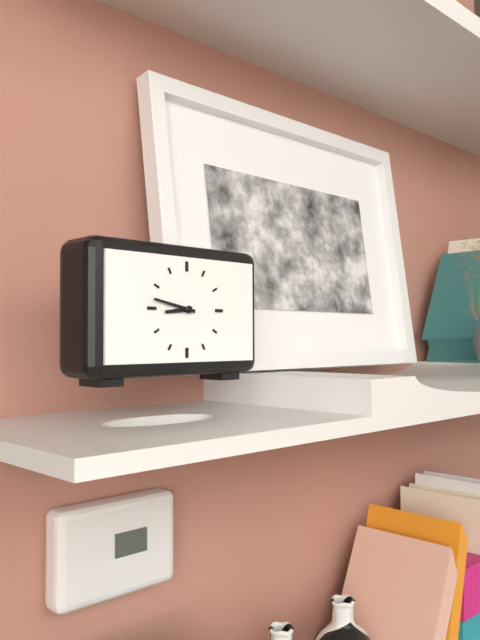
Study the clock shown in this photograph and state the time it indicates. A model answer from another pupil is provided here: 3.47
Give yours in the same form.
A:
8.47
